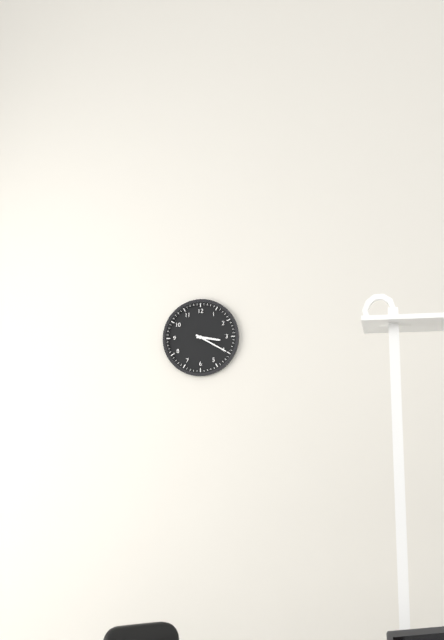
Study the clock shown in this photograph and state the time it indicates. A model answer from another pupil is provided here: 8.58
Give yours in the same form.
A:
3.20
